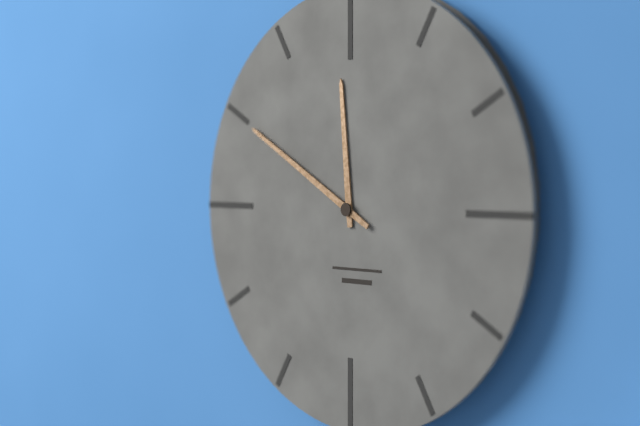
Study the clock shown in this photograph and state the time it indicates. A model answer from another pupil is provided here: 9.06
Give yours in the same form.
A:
11.50
